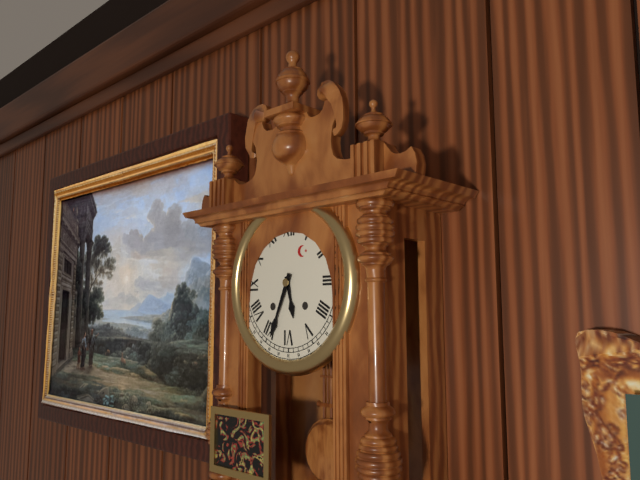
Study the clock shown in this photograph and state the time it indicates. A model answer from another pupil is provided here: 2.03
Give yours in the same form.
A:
5.34
